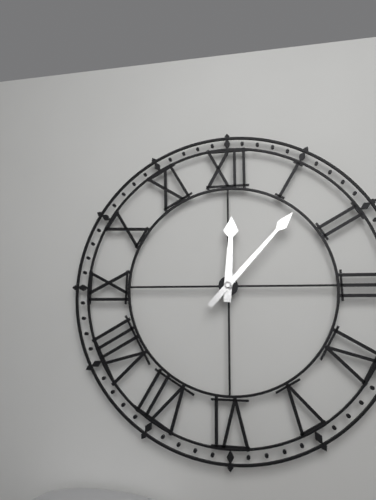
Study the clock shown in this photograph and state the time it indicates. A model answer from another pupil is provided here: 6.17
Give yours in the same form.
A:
12.07
